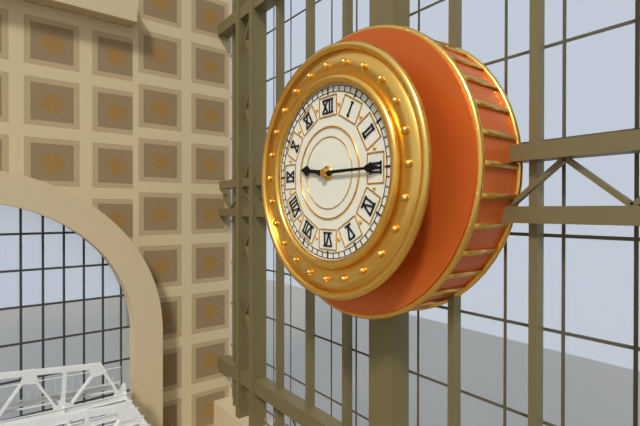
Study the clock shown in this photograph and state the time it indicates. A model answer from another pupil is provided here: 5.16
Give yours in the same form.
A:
9.15
